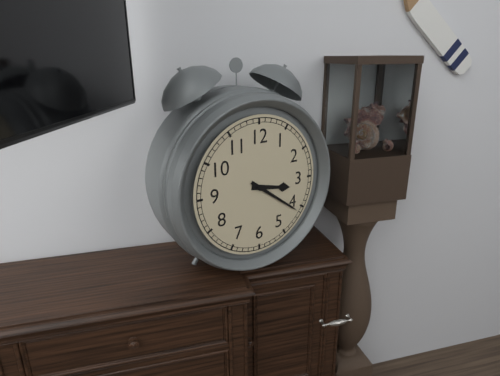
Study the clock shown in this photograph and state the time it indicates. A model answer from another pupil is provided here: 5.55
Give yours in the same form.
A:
3.21
